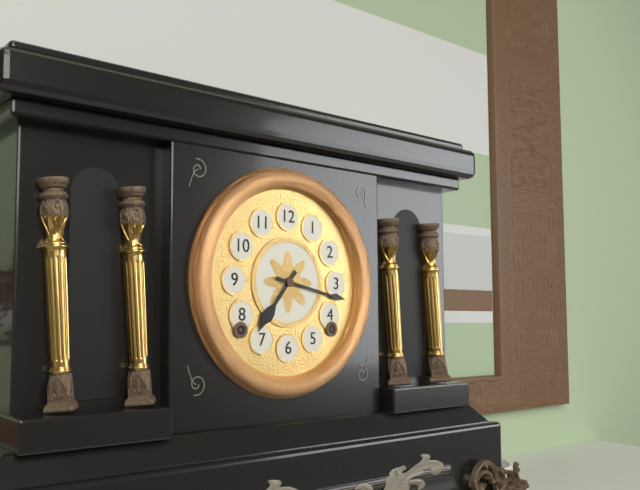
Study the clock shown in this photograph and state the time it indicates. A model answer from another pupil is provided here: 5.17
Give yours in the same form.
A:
7.17
